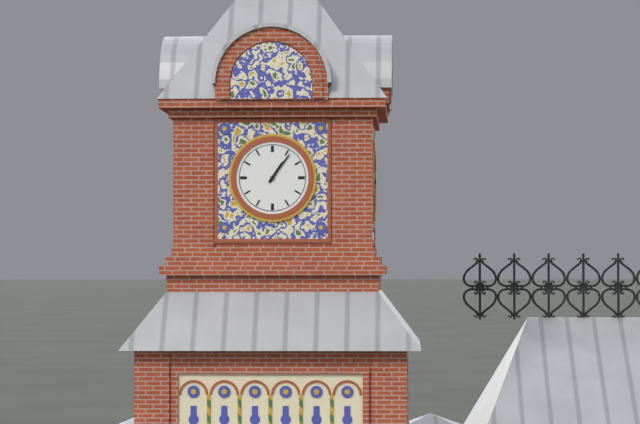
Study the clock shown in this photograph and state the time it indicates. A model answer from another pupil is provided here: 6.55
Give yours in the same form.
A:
1.06
